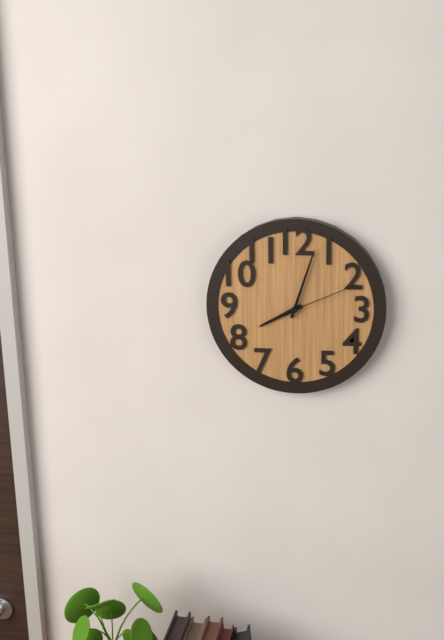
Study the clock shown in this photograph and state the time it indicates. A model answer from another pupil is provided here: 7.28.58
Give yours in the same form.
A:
8.03.11
